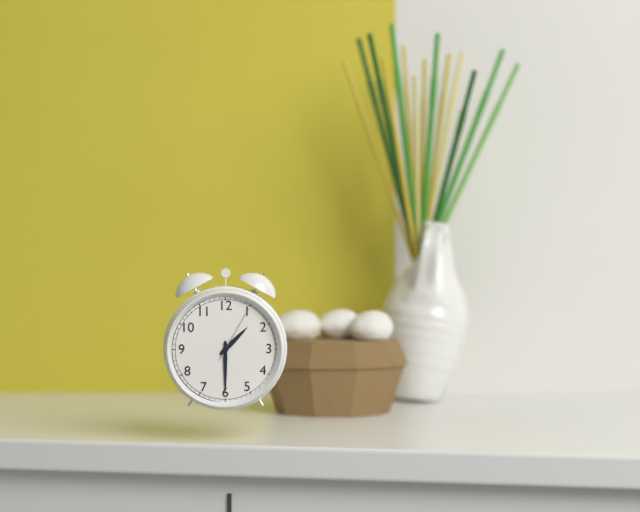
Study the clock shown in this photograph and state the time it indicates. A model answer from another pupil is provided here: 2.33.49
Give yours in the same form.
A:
1.30.05
